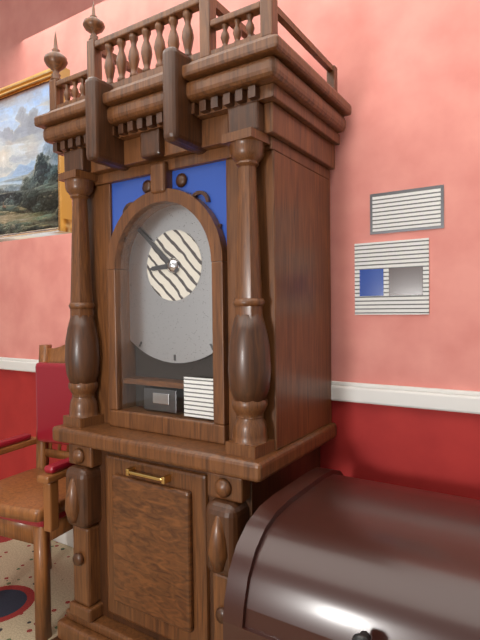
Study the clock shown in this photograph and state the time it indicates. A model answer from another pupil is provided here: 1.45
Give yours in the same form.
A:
8.52
